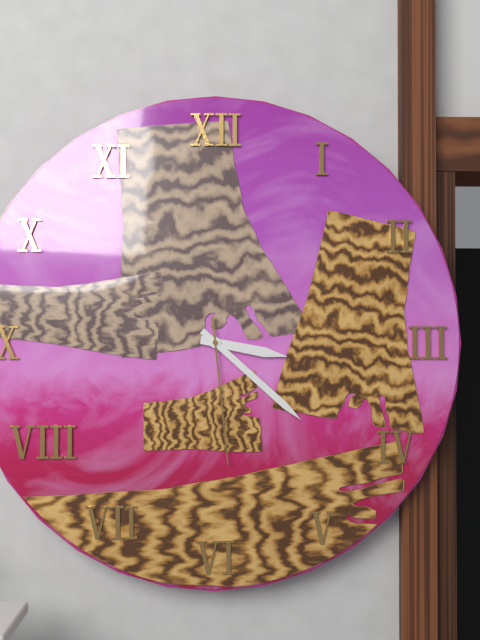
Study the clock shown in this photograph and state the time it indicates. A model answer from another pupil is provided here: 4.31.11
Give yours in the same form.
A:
3.22.29
